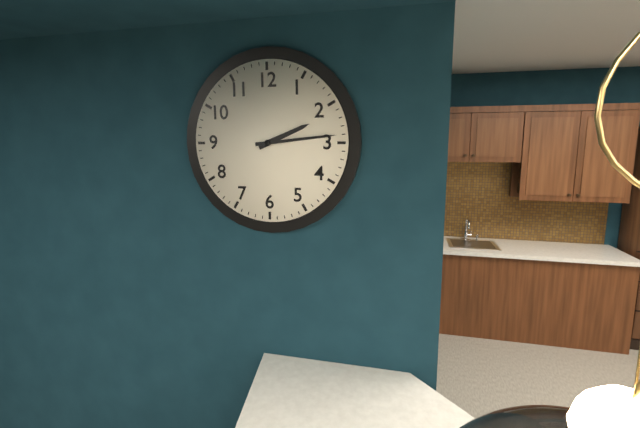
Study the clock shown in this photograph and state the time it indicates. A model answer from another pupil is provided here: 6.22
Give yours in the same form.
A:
2.14
